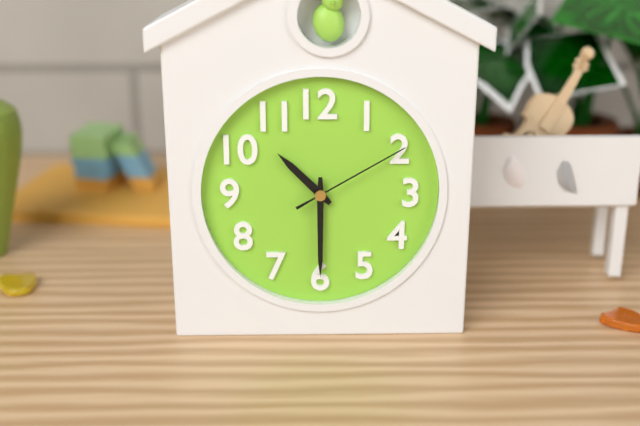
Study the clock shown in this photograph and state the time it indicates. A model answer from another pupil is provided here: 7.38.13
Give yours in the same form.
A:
10.30.10
